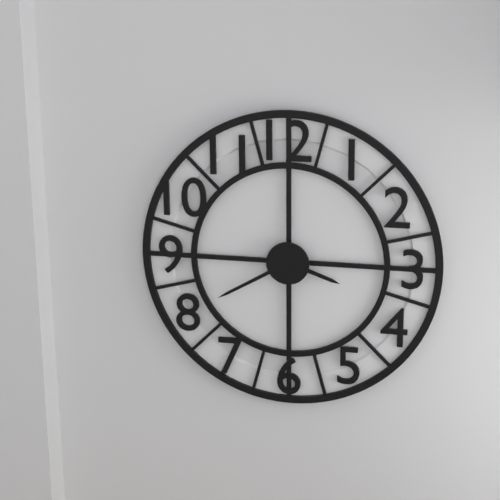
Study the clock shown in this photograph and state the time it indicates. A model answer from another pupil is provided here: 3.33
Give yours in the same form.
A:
3.40
